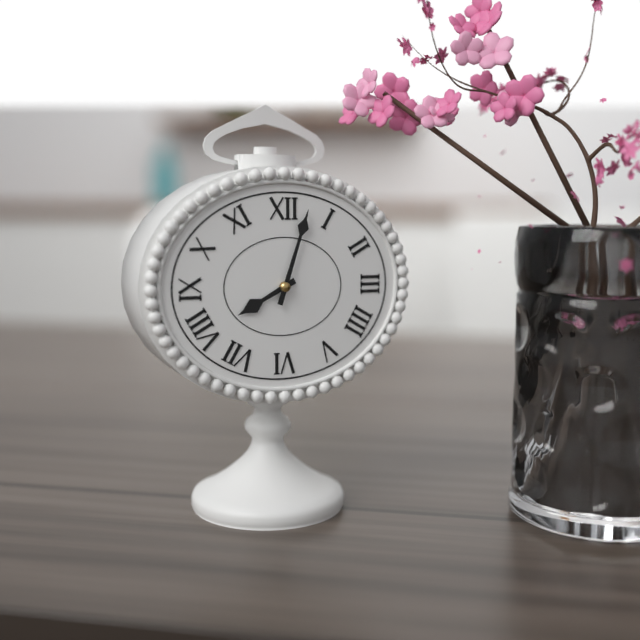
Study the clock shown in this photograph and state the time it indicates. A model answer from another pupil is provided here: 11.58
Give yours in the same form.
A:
8.03
